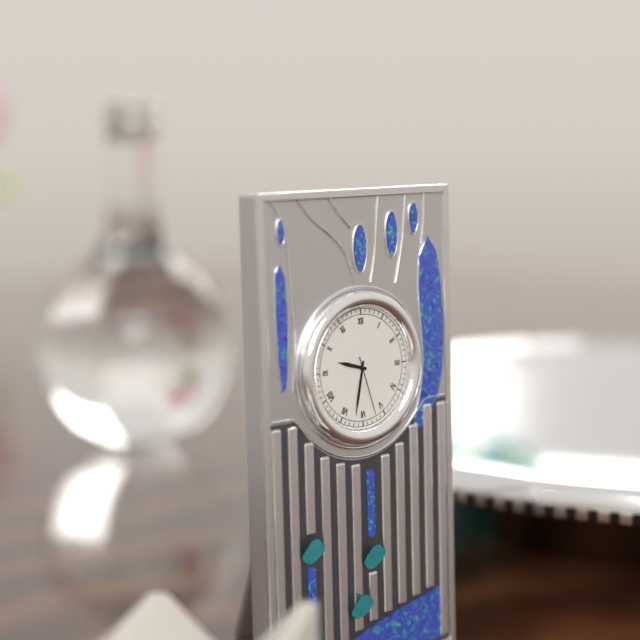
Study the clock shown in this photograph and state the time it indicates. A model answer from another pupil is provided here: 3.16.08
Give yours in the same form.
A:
9.32.27
